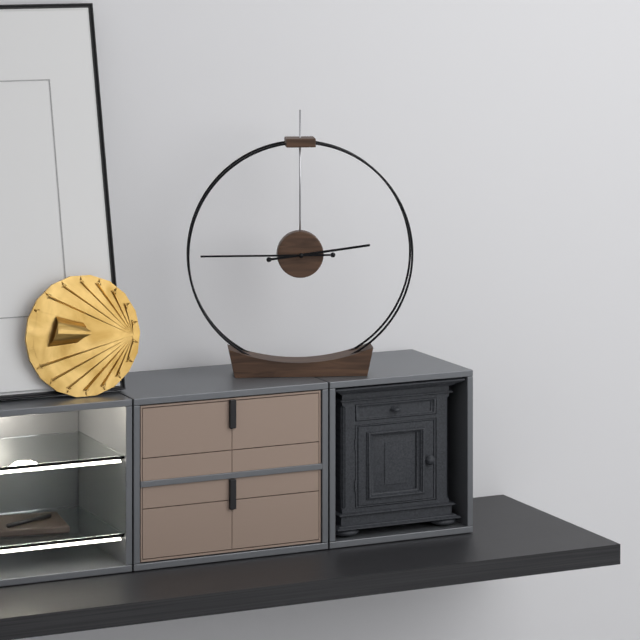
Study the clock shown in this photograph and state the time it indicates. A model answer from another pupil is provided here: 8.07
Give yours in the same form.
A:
2.45
